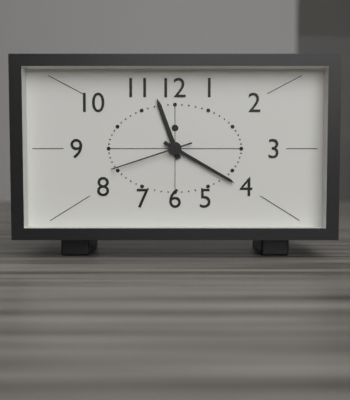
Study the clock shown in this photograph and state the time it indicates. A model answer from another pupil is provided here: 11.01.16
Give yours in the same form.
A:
11.20.42
